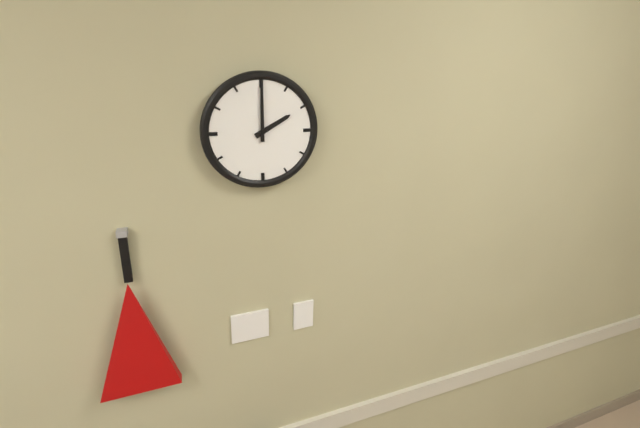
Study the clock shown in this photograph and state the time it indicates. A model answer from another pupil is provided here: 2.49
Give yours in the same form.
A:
2.00
